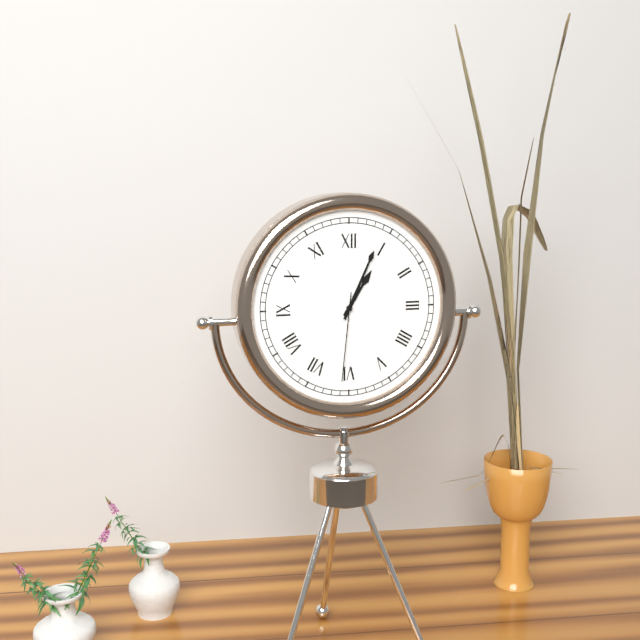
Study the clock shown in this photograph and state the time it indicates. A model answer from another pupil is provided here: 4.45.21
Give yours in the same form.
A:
1.04.31
